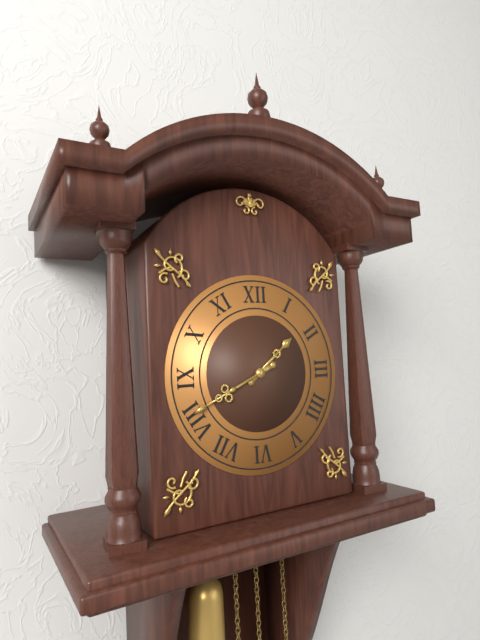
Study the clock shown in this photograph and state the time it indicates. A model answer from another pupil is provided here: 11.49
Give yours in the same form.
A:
1.41
